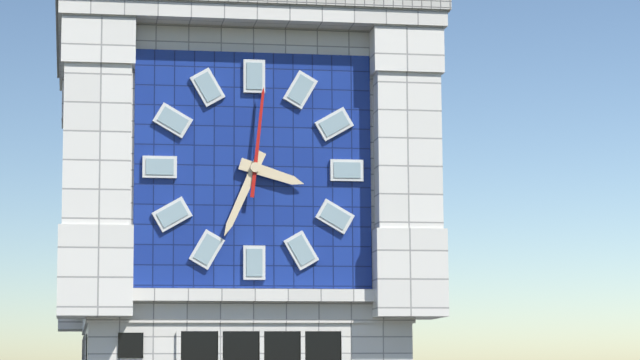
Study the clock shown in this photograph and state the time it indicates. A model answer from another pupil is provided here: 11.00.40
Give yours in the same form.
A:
3.34.01
